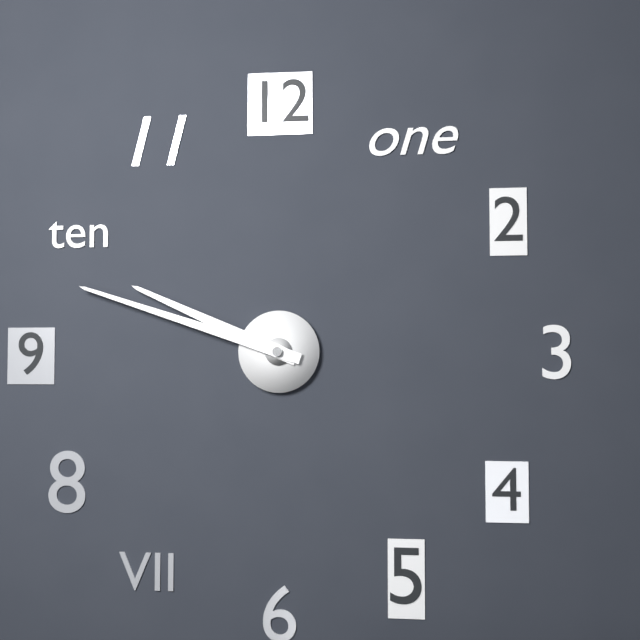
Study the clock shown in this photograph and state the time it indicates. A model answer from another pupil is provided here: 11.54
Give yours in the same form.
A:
9.48
